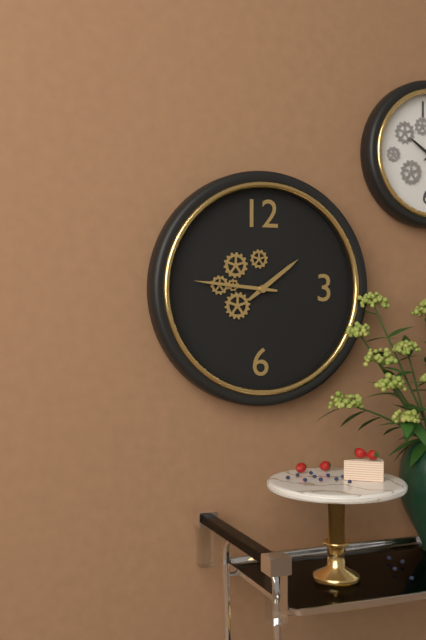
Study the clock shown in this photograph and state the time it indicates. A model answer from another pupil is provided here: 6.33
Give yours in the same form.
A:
1.46
